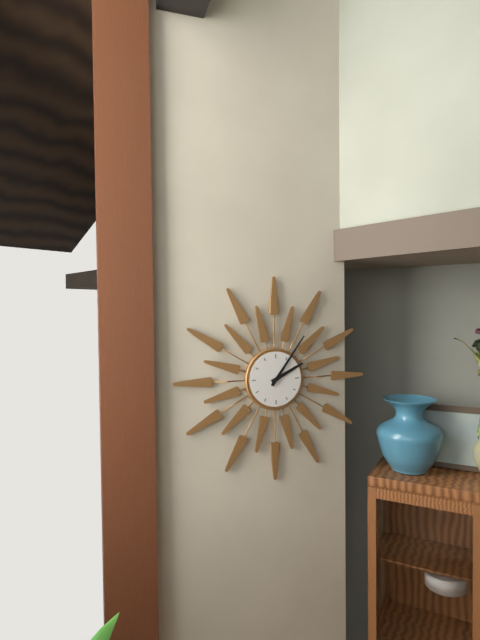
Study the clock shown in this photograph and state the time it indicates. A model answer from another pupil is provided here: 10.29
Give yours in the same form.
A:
2.06
